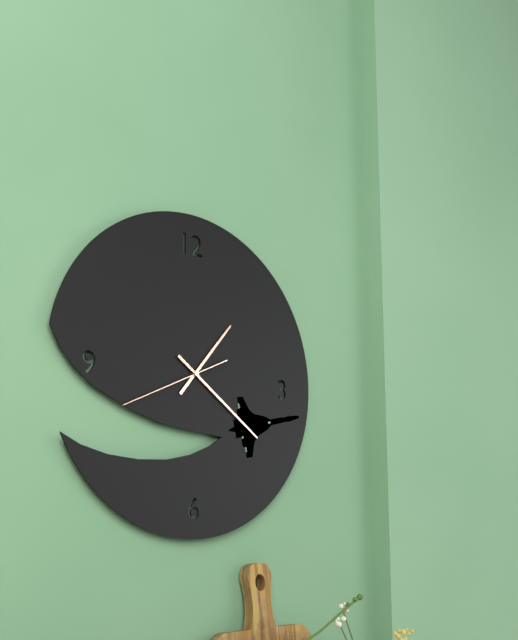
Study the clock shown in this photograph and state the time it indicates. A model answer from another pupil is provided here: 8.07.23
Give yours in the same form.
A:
1.21.41
